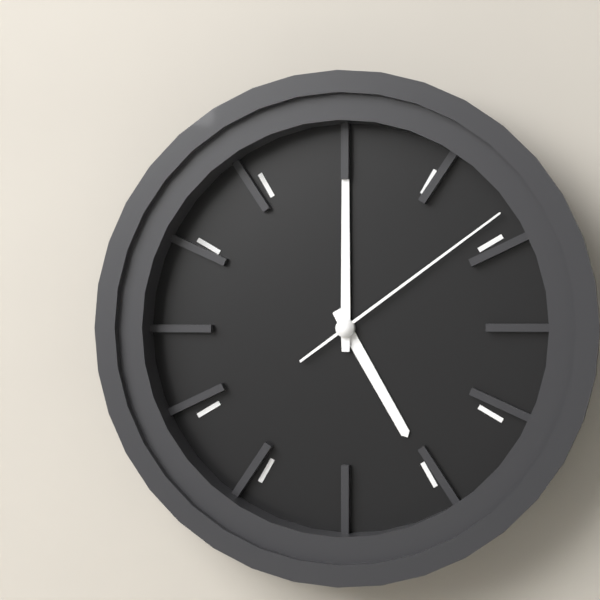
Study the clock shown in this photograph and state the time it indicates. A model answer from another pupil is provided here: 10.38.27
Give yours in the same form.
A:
5.00.09
